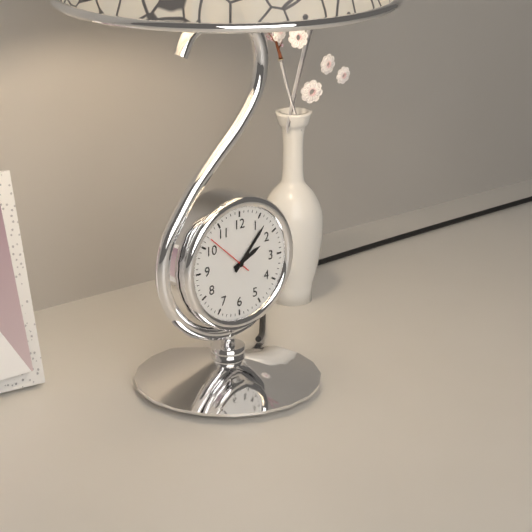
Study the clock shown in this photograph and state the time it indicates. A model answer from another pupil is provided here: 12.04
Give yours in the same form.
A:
2.07
